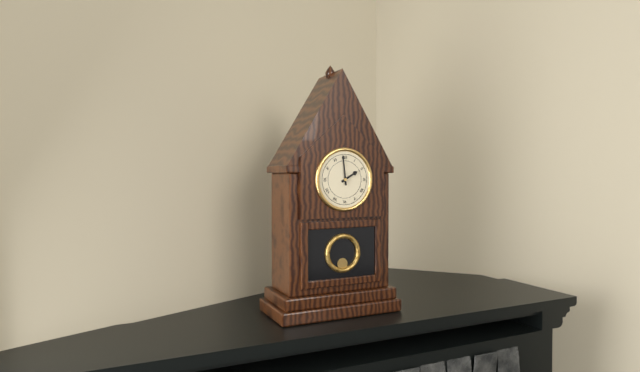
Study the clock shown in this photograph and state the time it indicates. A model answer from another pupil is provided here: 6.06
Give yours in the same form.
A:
1.59
